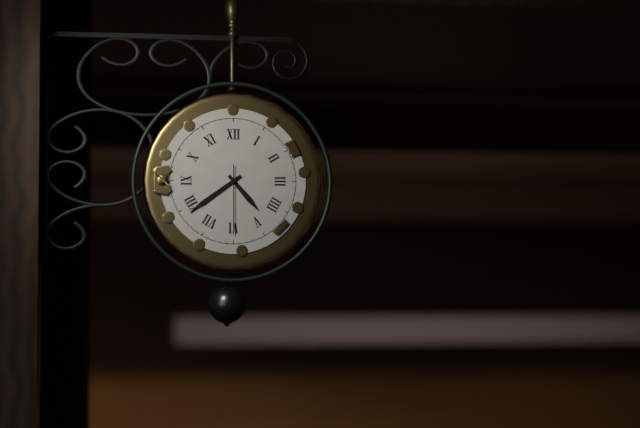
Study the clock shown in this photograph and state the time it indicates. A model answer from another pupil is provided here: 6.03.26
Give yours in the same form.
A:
4.39.30
